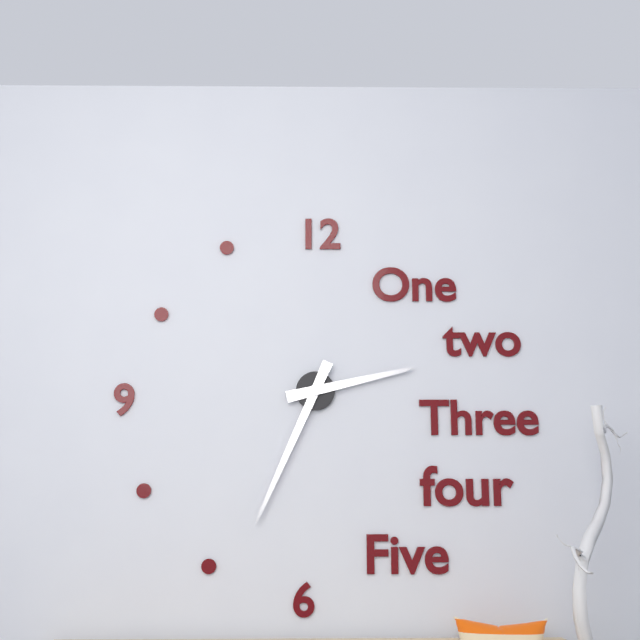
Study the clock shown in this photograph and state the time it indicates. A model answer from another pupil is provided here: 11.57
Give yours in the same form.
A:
2.34
